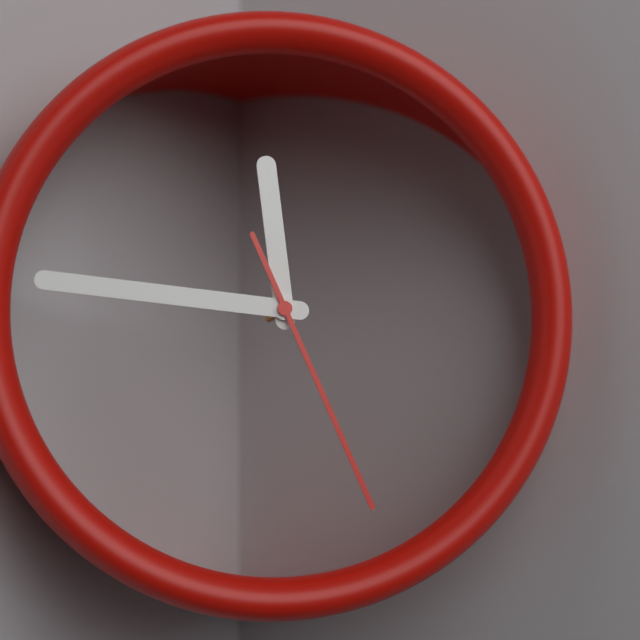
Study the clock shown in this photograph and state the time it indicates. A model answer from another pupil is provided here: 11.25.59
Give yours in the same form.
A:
11.46.26
